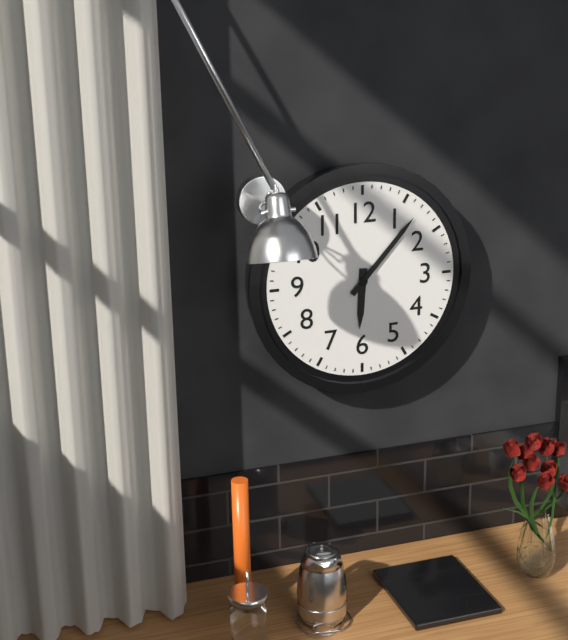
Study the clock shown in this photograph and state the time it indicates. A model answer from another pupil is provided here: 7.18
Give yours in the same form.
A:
6.07
